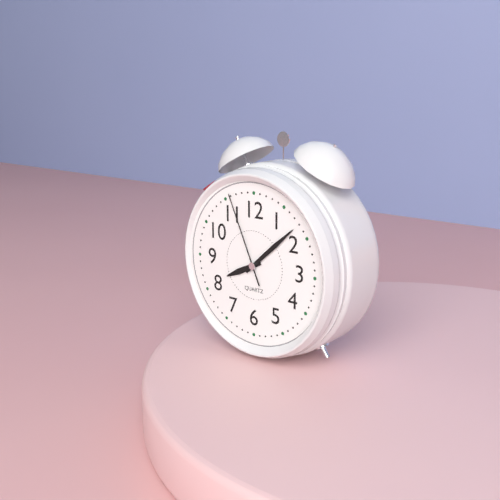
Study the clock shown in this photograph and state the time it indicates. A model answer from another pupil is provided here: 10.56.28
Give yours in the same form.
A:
8.08.56
